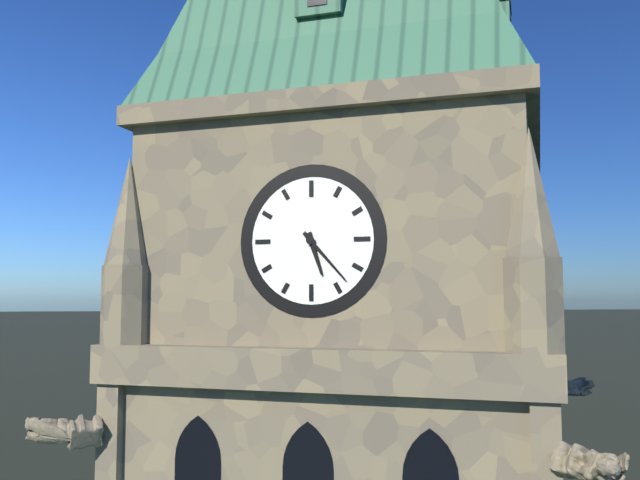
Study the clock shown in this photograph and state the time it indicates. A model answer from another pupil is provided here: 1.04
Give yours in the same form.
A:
5.23
